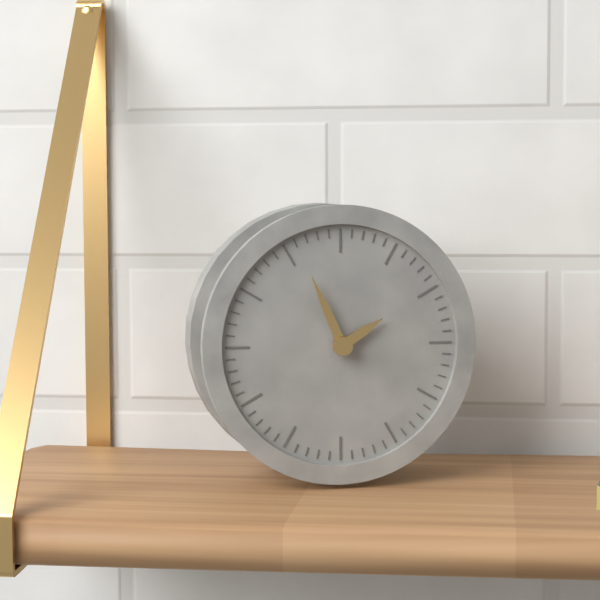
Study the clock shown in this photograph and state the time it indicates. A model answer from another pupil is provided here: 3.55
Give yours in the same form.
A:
1.56
